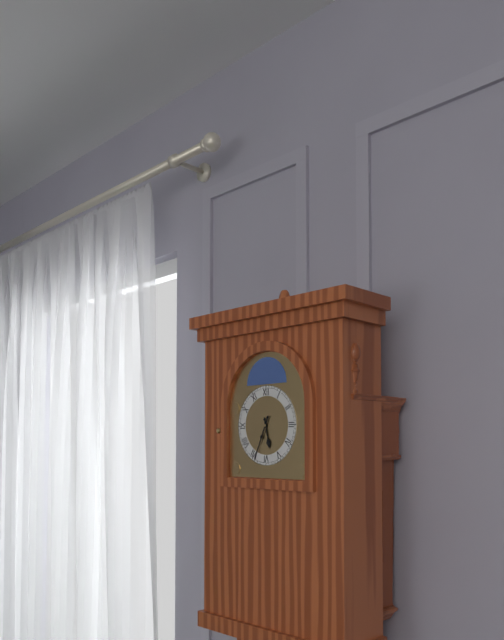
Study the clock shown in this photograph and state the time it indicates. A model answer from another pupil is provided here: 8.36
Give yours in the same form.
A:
5.34
